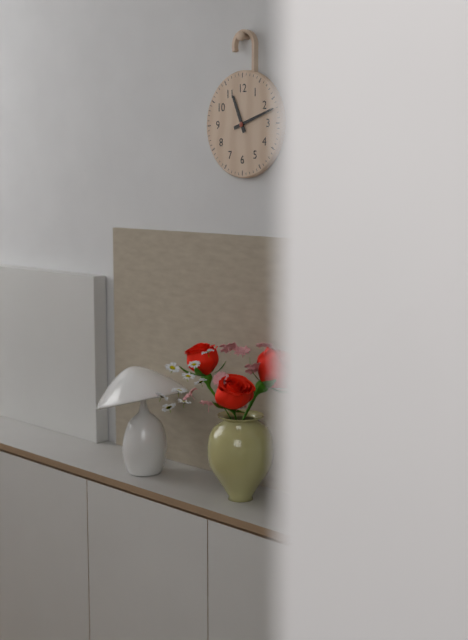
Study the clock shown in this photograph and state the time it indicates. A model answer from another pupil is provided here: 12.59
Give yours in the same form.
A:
11.12
